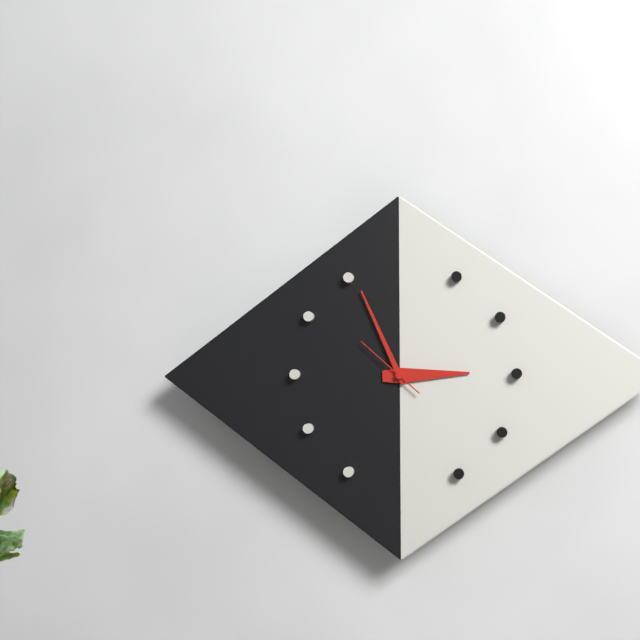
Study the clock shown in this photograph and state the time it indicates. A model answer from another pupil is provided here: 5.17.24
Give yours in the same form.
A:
2.56.52
